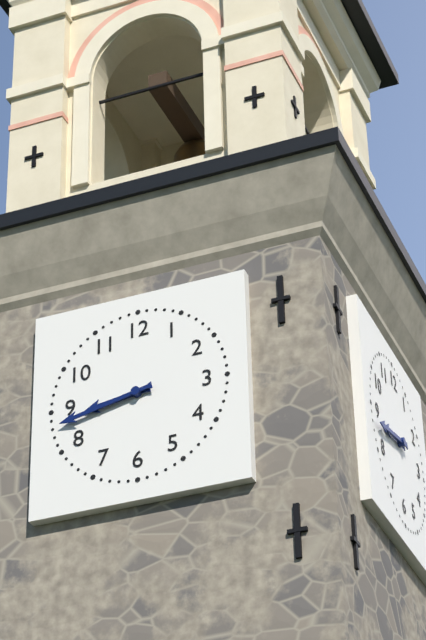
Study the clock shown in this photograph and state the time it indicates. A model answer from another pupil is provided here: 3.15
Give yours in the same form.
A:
8.43
